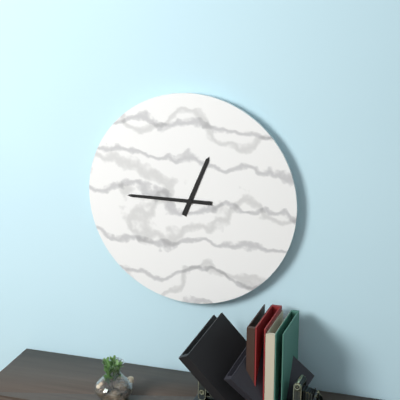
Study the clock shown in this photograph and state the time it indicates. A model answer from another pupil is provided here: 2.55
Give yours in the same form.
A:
12.45
